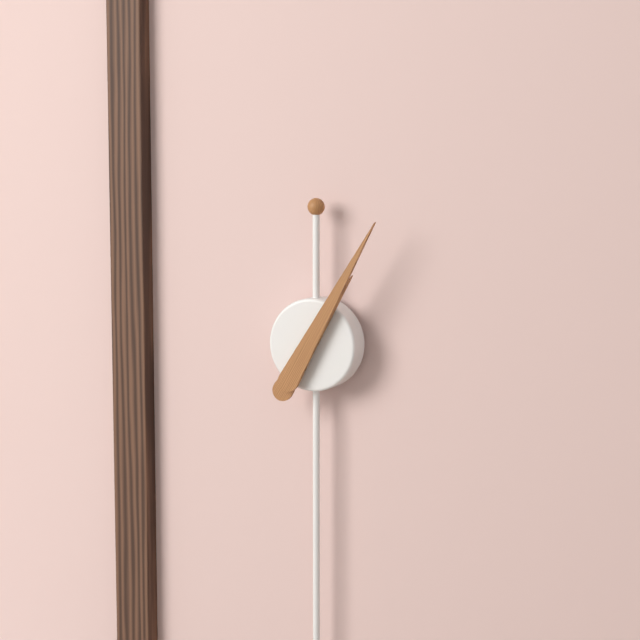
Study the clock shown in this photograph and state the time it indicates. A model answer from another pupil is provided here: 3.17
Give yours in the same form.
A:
1.05
